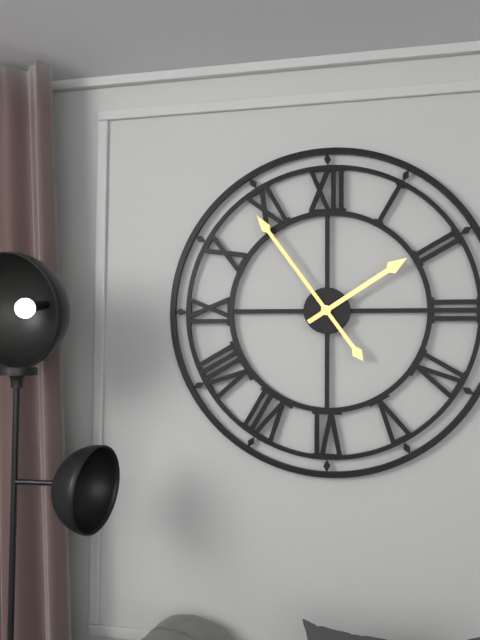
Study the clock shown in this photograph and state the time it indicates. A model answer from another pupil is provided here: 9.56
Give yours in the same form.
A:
1.54
